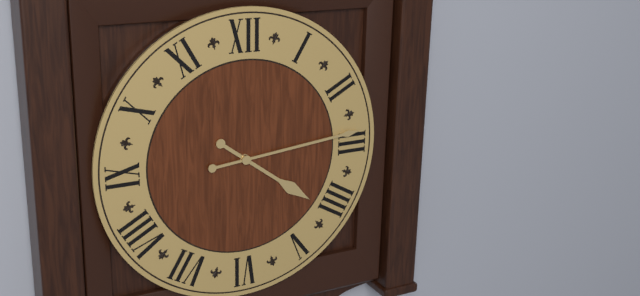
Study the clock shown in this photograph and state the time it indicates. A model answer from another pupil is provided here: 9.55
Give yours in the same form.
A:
4.14
